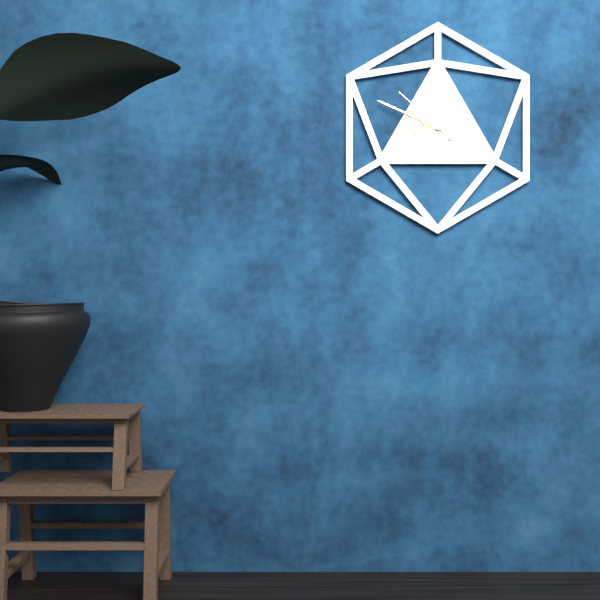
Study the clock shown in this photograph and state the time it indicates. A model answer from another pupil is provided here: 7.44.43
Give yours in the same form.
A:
8.49.52
